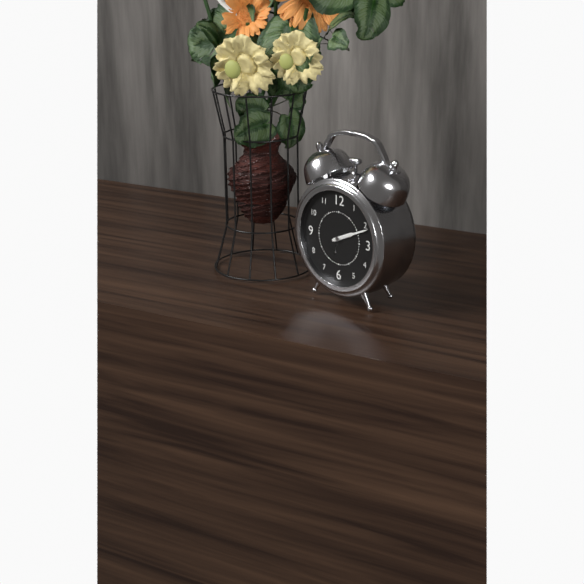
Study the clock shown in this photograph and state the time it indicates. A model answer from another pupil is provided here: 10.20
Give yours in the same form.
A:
2.11
